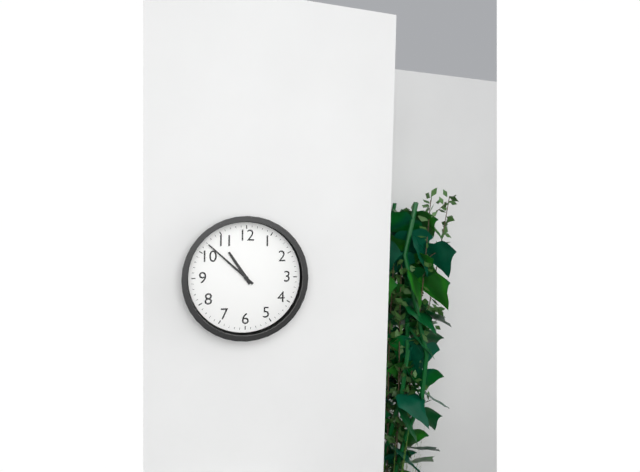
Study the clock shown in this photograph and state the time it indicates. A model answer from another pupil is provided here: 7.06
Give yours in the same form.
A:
10.52
